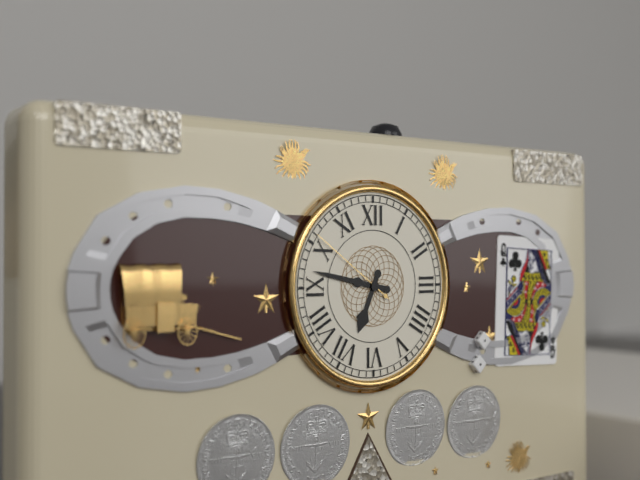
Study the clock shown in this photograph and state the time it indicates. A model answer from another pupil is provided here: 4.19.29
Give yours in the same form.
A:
6.47.51
